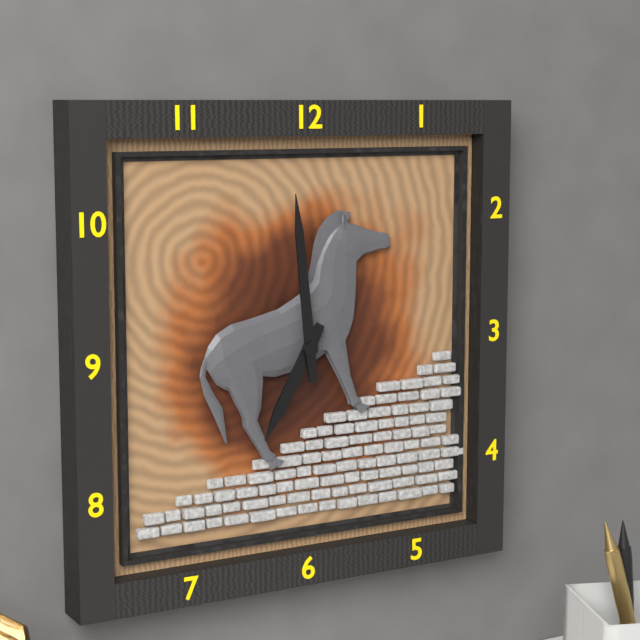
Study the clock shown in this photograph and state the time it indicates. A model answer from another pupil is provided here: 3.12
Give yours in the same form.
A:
6.59
